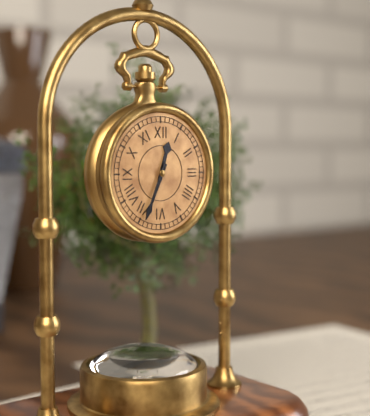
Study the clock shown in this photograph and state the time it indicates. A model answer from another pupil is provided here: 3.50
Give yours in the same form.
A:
12.34
